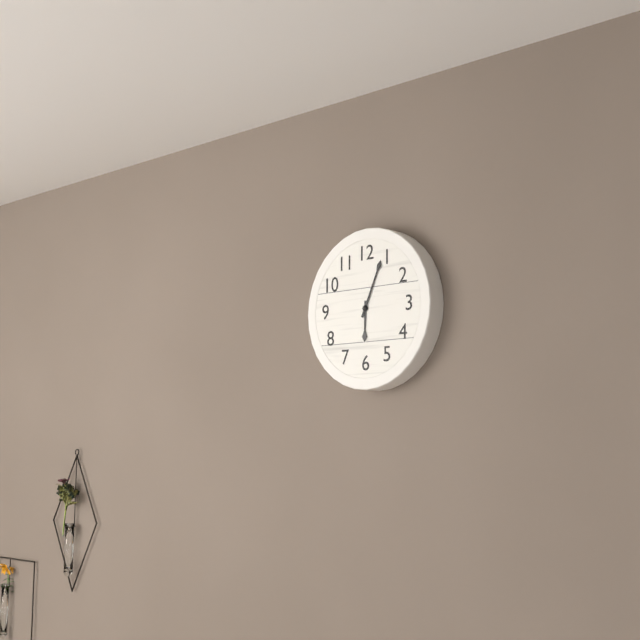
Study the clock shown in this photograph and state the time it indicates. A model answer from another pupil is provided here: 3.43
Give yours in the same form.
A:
6.04
